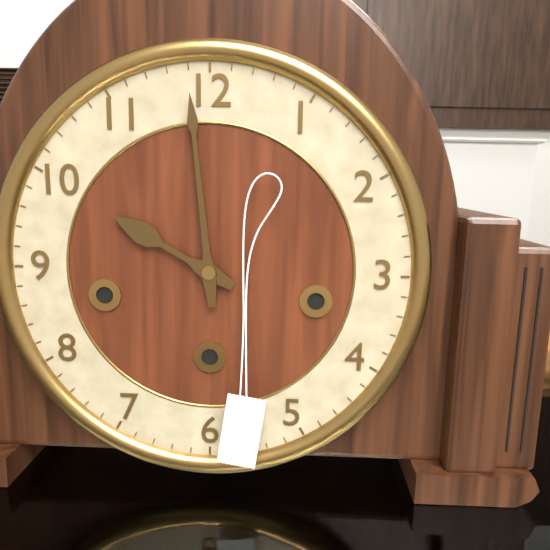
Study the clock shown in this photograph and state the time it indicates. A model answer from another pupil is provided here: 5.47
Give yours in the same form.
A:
9.59
